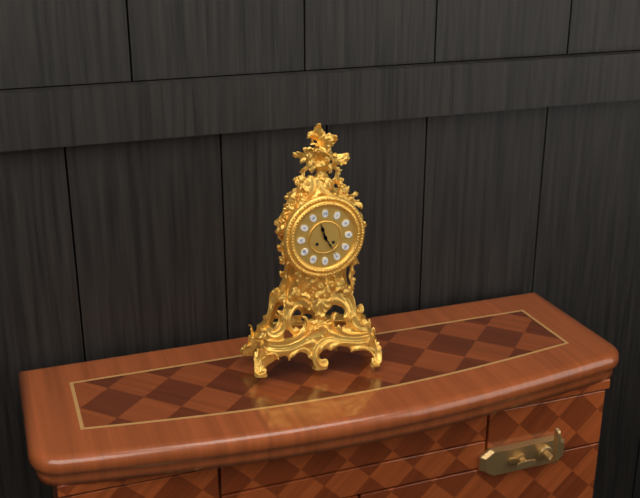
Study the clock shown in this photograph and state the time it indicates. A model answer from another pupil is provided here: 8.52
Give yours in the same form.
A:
11.25
